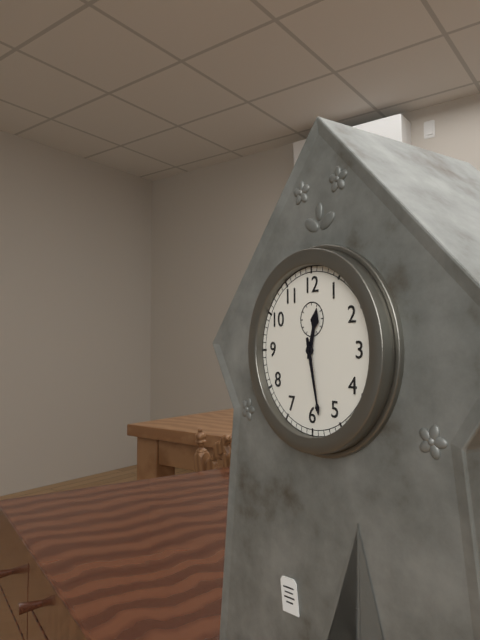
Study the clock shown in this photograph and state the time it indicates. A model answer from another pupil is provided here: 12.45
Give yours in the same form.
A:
12.28
